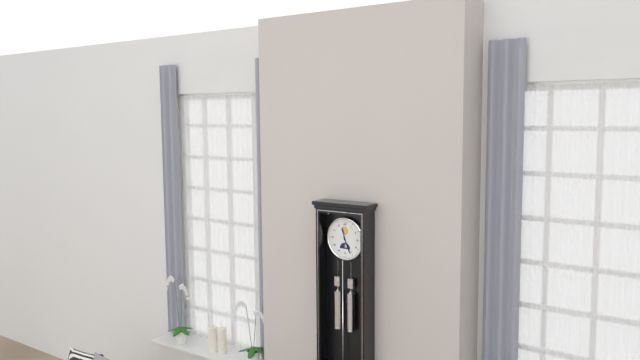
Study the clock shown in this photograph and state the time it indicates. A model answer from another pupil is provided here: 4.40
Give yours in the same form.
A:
11.26
